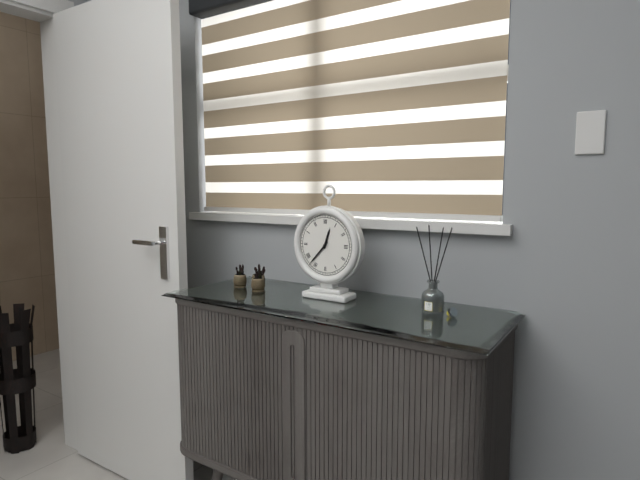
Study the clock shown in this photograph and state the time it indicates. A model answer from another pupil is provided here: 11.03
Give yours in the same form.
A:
12.37
